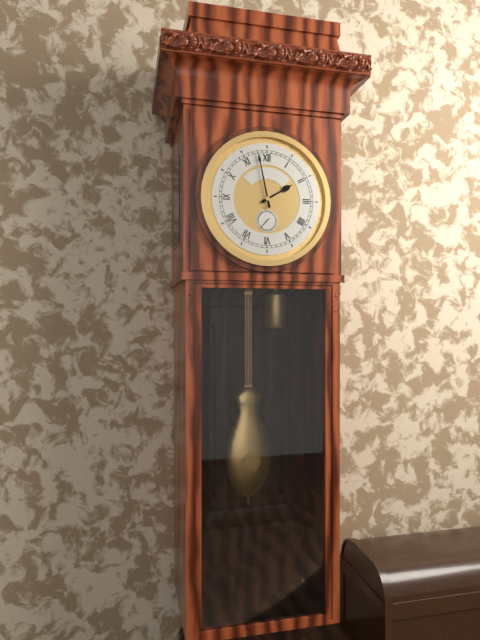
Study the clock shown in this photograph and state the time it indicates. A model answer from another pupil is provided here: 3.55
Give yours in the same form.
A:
1.58
